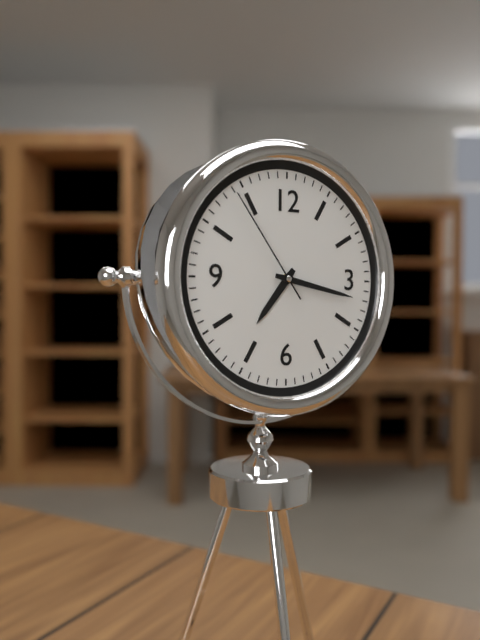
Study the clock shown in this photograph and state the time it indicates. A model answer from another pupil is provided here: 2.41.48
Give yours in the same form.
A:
7.17.54
